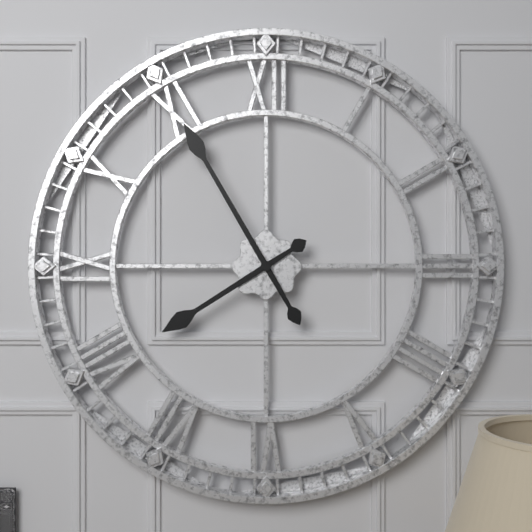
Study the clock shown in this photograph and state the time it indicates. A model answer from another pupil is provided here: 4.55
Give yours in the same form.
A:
7.55
